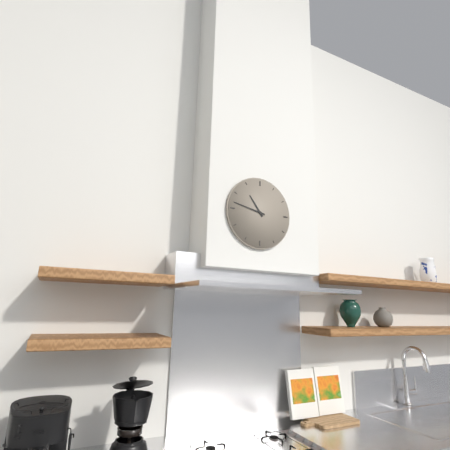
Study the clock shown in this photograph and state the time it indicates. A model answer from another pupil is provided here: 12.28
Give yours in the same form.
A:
10.47
